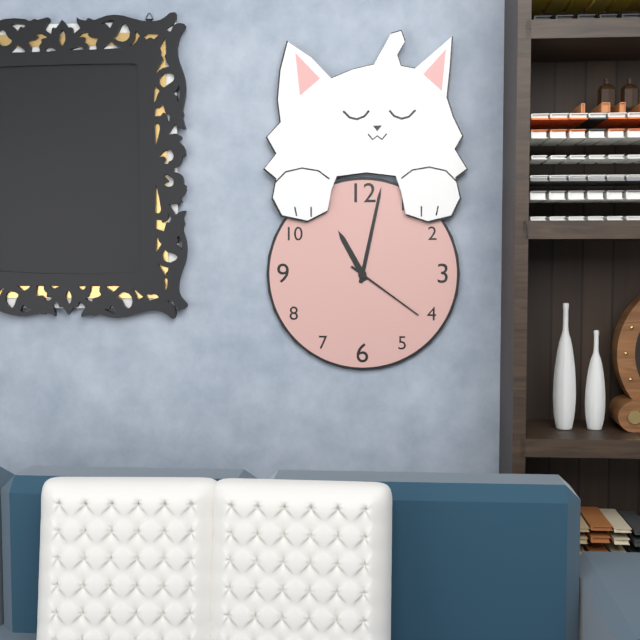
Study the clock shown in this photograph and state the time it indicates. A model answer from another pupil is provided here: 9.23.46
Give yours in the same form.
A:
11.02.21
